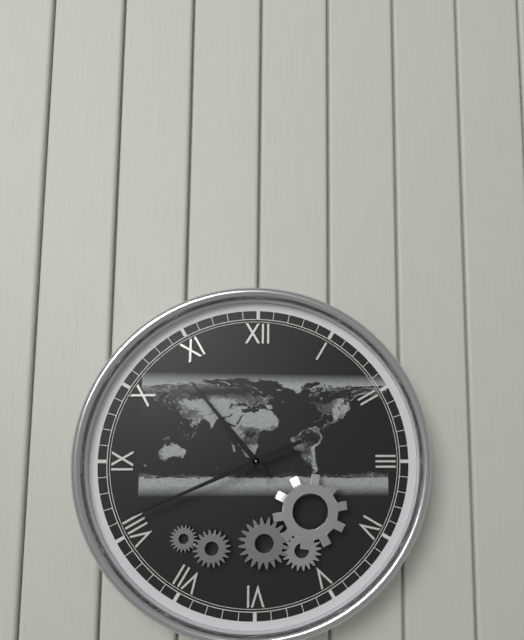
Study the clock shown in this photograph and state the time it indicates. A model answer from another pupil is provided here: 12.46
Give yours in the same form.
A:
10.41
